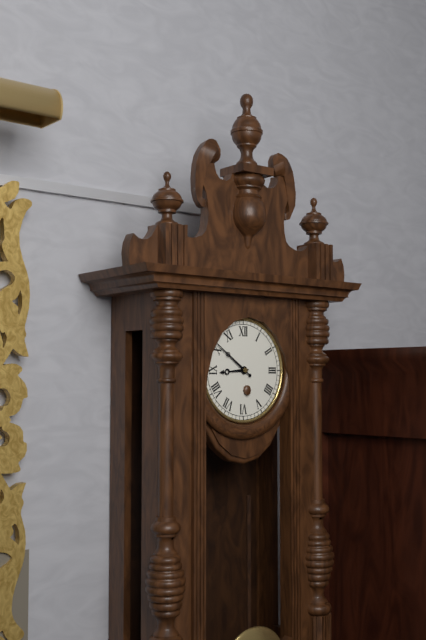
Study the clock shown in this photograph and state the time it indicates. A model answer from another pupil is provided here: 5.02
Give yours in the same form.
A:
8.51
